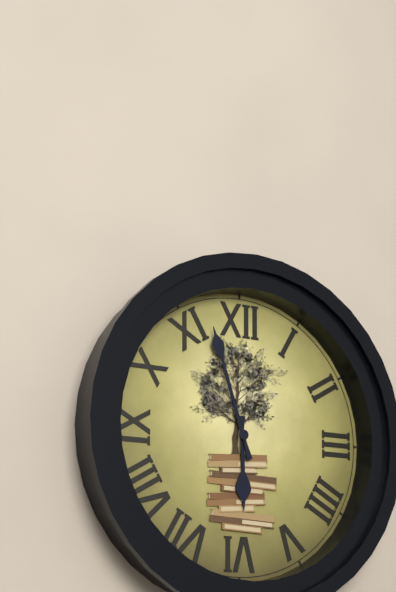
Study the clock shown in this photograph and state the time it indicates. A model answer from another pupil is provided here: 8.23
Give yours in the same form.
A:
5.57
